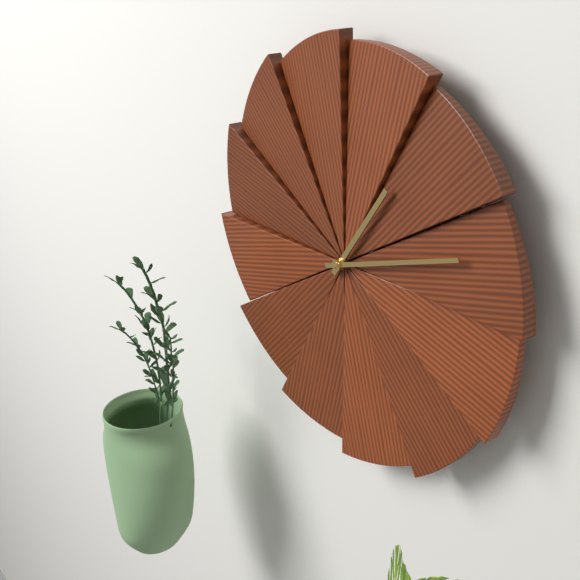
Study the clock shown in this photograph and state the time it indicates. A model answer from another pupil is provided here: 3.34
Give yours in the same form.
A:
1.12
